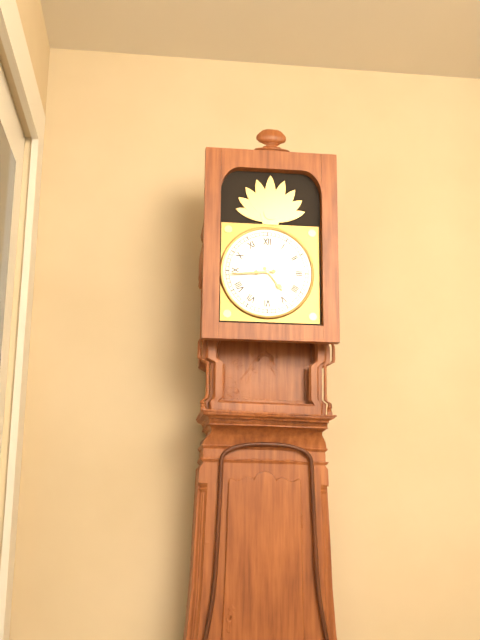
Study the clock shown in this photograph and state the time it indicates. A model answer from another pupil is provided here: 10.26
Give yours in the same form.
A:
4.44
